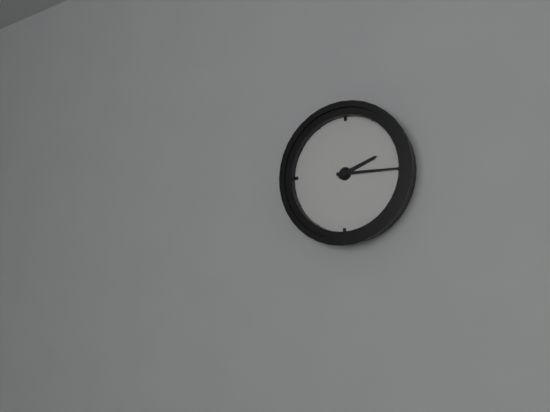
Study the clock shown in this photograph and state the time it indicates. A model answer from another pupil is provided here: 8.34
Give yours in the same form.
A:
2.15
